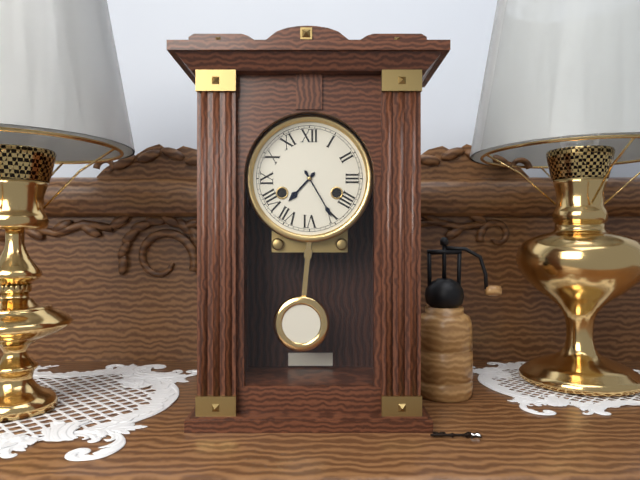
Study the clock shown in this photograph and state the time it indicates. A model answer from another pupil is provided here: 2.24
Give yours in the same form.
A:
7.25
